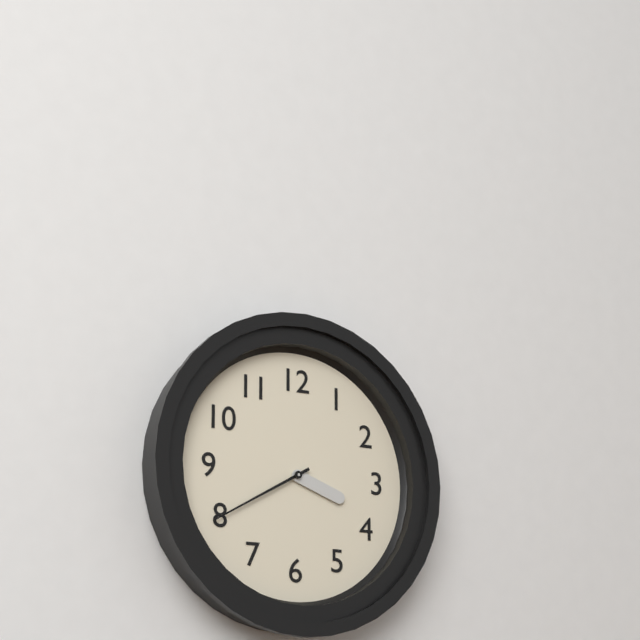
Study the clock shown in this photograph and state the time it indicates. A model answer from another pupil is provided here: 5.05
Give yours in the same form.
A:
3.40
